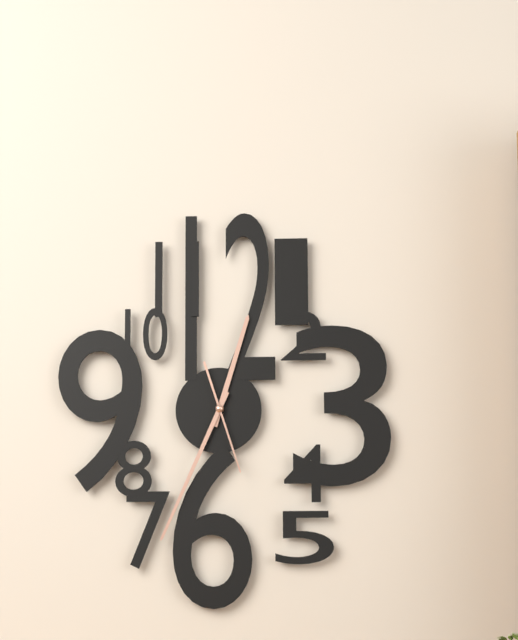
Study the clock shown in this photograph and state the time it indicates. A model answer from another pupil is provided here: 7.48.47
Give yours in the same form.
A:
12.34.27
